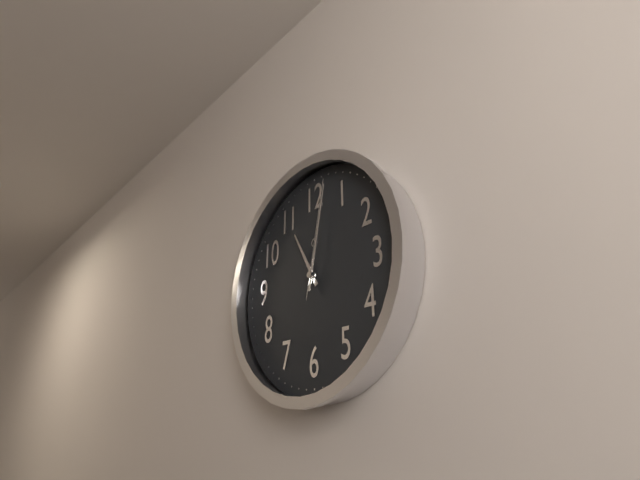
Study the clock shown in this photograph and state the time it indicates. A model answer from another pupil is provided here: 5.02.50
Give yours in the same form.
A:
11.02.02
